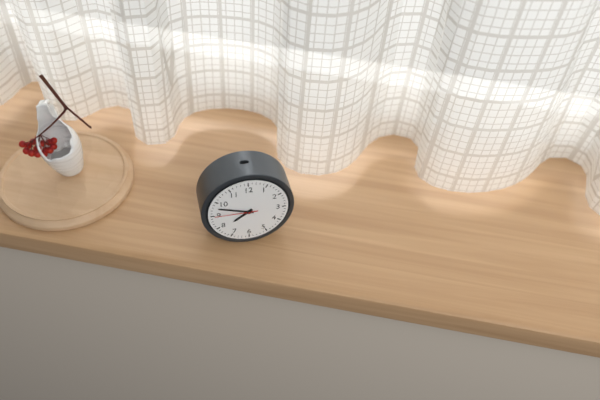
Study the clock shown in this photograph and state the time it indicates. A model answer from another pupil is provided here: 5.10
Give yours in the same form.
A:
7.48
